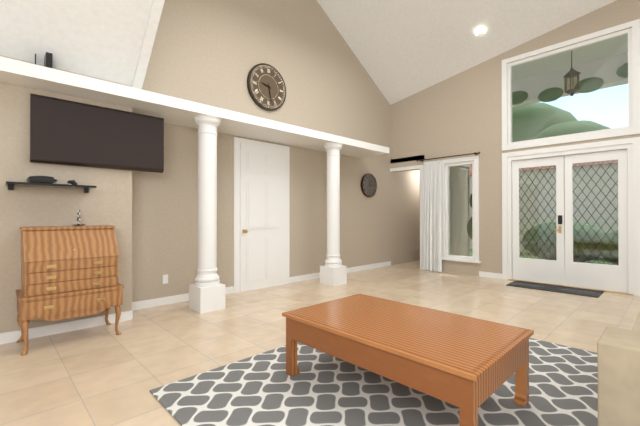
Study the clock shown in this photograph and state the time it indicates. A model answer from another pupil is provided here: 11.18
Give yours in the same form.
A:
9.28
